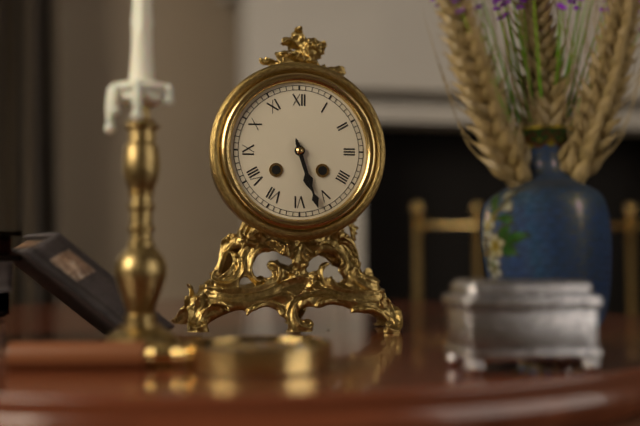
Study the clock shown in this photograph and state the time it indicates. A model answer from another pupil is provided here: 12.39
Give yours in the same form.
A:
5.27
